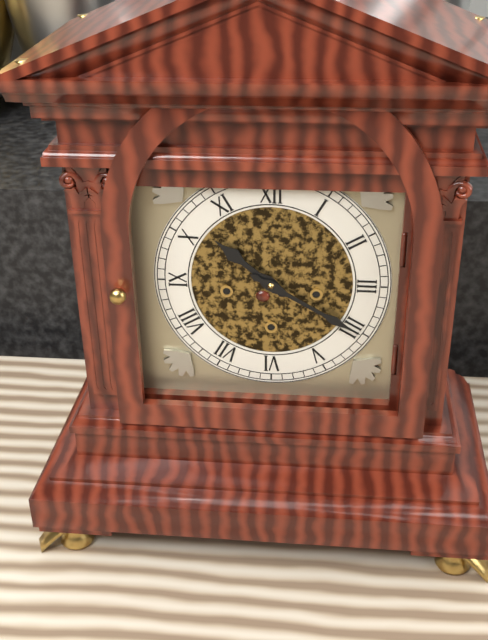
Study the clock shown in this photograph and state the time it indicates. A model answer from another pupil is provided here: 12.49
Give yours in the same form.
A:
10.20
